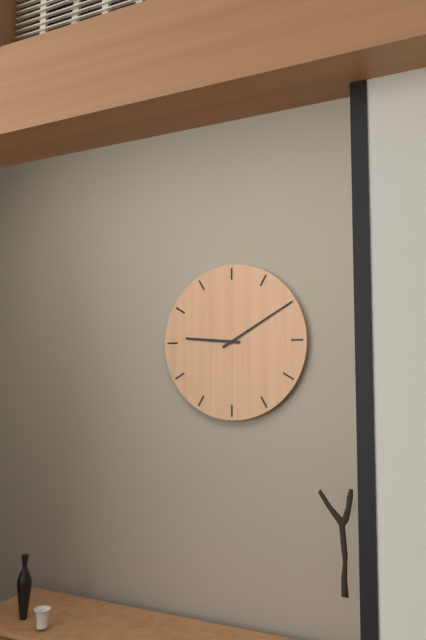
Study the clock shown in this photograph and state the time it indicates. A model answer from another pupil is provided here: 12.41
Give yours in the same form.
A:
9.10
